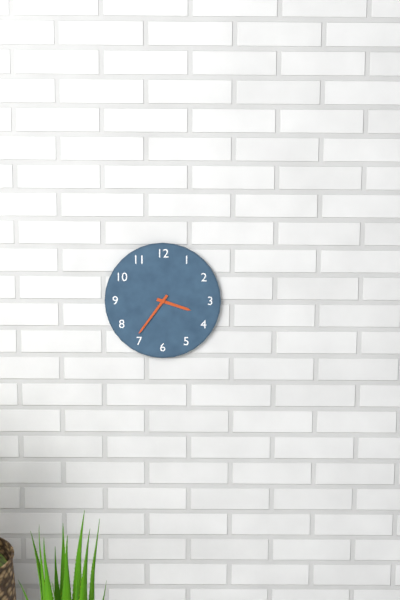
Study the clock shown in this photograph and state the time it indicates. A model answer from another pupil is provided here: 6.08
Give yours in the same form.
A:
3.36
